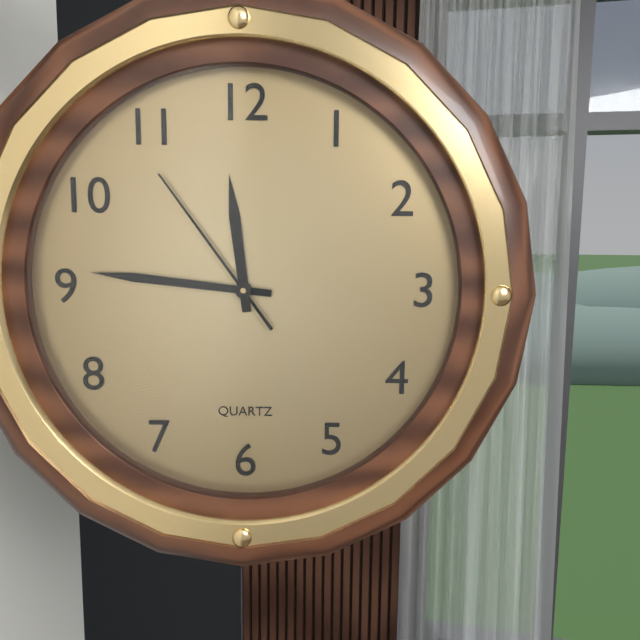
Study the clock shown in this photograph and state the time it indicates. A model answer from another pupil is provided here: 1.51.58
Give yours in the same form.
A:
11.46.54
